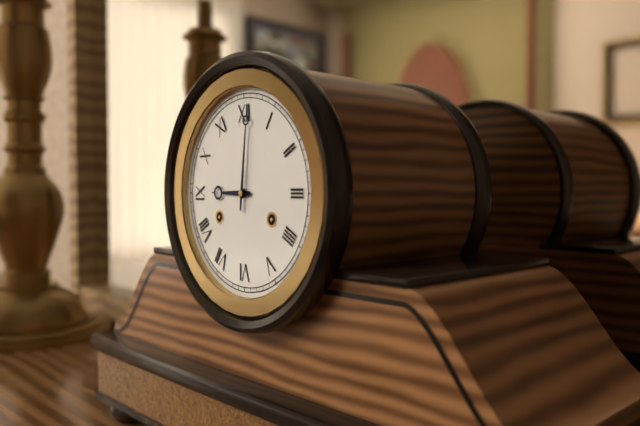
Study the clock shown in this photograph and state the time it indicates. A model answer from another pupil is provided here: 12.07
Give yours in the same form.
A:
9.01
